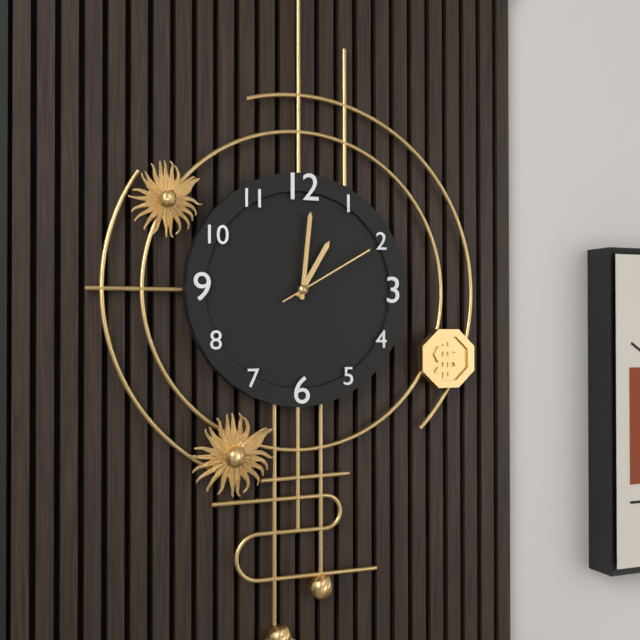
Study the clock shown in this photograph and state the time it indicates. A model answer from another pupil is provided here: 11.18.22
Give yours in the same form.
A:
1.01.10
